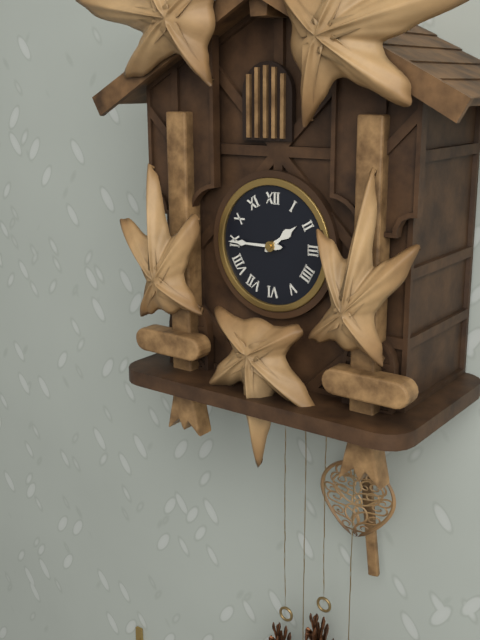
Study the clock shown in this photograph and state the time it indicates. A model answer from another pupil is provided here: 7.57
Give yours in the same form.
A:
1.45
